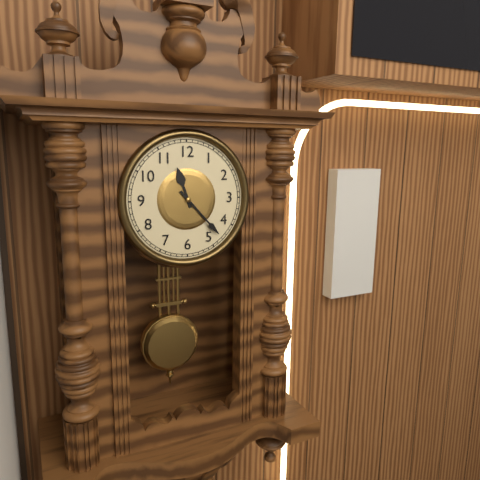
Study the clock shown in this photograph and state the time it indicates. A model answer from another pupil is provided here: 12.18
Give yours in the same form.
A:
11.23
